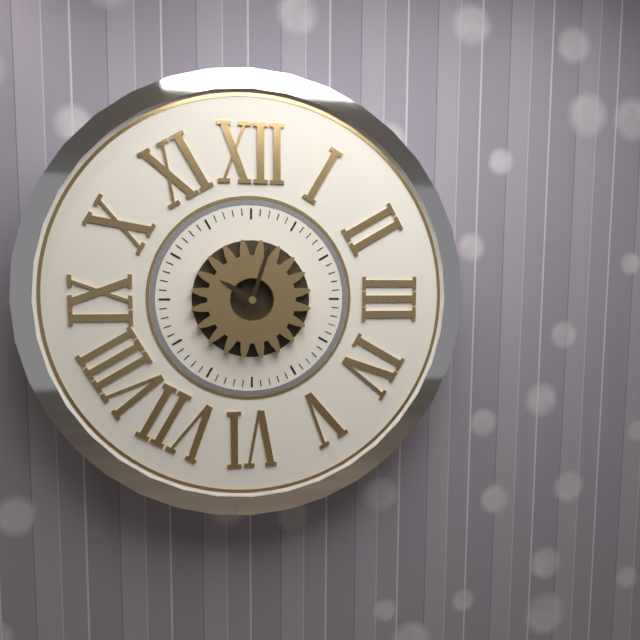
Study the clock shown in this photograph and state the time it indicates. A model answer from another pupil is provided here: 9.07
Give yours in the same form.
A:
10.03
